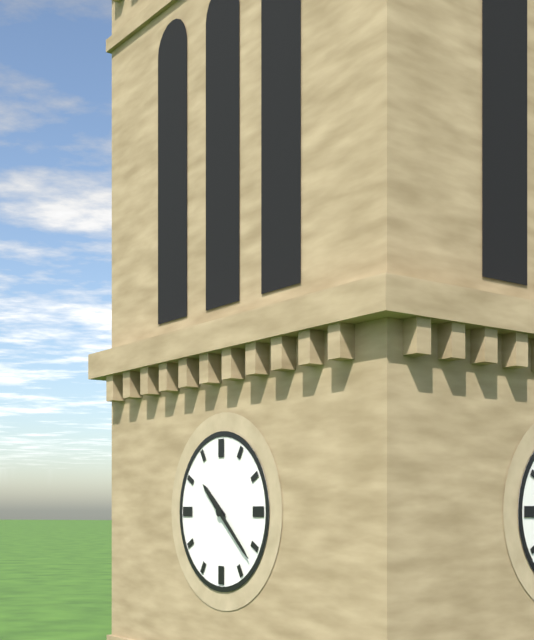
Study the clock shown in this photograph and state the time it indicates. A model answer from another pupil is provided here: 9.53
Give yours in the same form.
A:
10.22
